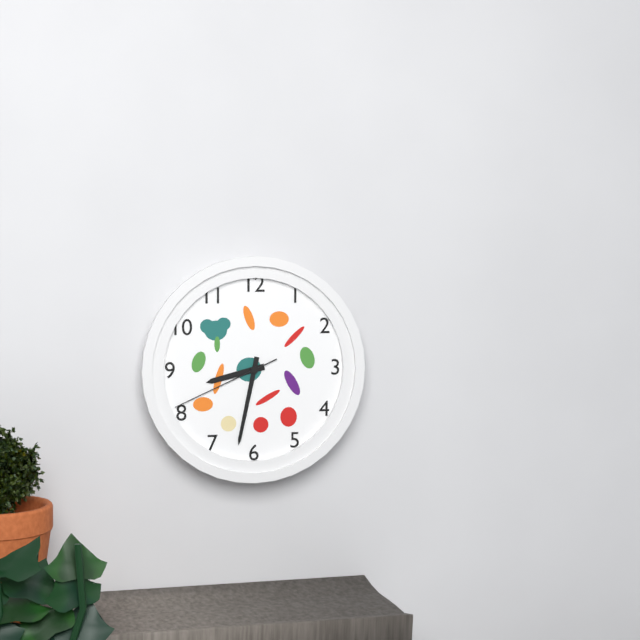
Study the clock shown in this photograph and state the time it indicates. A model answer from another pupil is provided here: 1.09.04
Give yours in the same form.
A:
8.32.41
